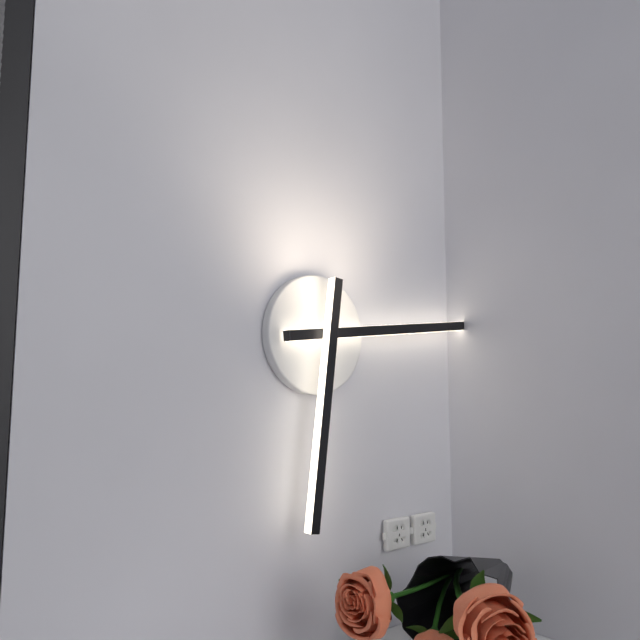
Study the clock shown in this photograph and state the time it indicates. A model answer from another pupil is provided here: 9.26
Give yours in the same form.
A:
6.14
